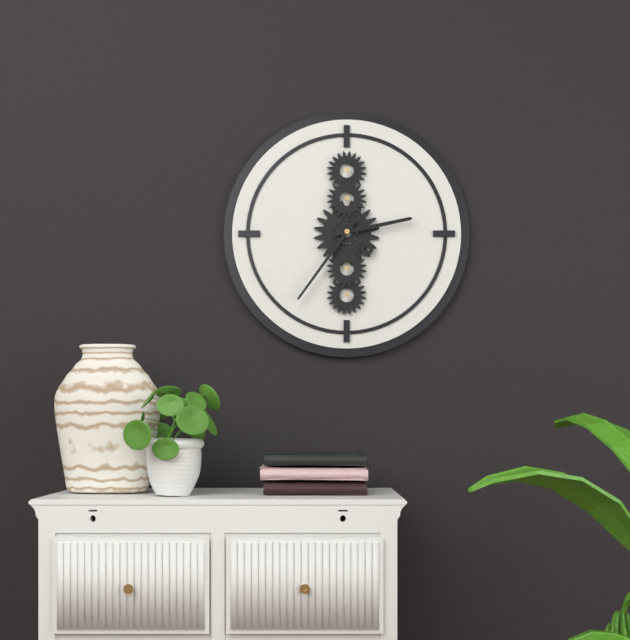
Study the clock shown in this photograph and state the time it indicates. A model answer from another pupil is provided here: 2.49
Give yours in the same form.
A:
2.36
